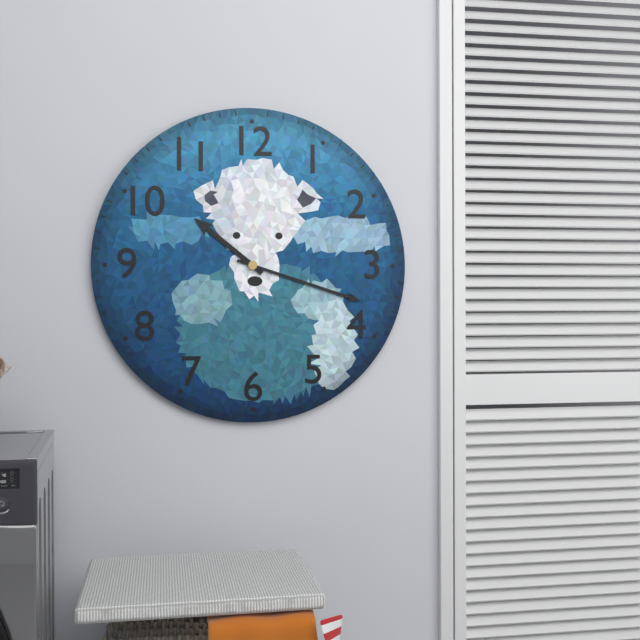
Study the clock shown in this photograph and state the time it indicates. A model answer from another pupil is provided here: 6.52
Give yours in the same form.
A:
10.18
